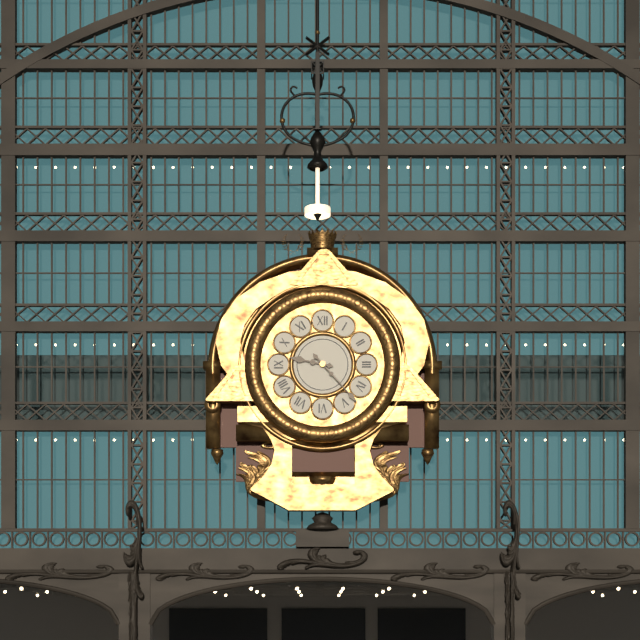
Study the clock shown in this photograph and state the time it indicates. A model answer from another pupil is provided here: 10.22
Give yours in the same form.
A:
9.23
